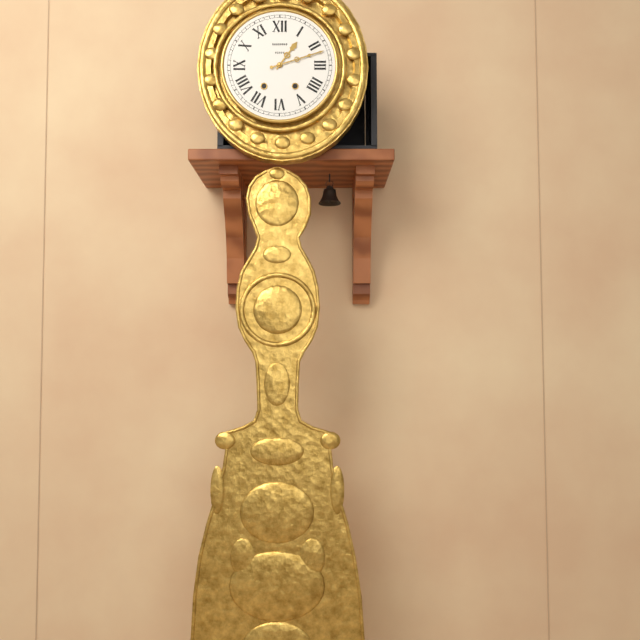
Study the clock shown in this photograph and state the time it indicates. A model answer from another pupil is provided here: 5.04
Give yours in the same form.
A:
1.12
